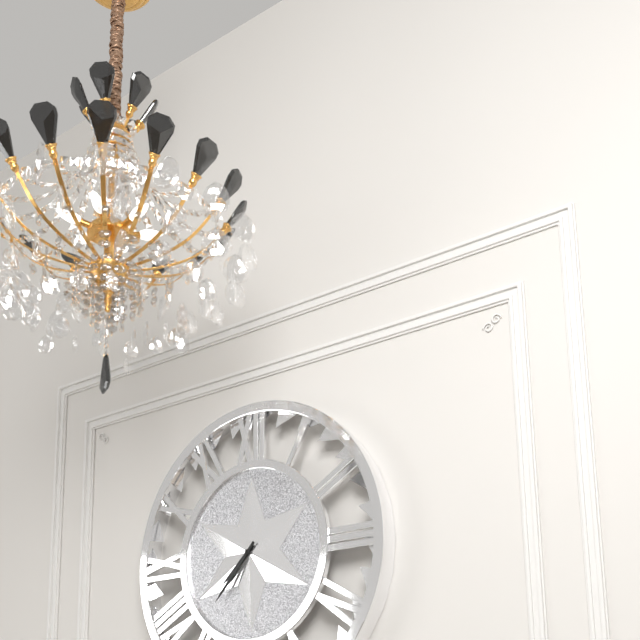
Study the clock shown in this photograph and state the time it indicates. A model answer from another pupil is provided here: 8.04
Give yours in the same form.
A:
7.37
